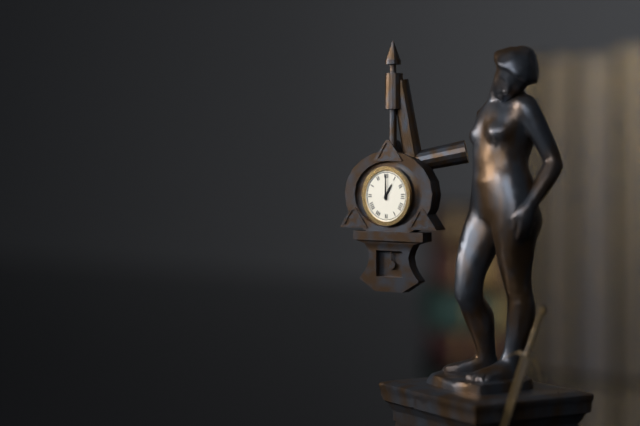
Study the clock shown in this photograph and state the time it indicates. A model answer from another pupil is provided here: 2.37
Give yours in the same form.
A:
1.00
